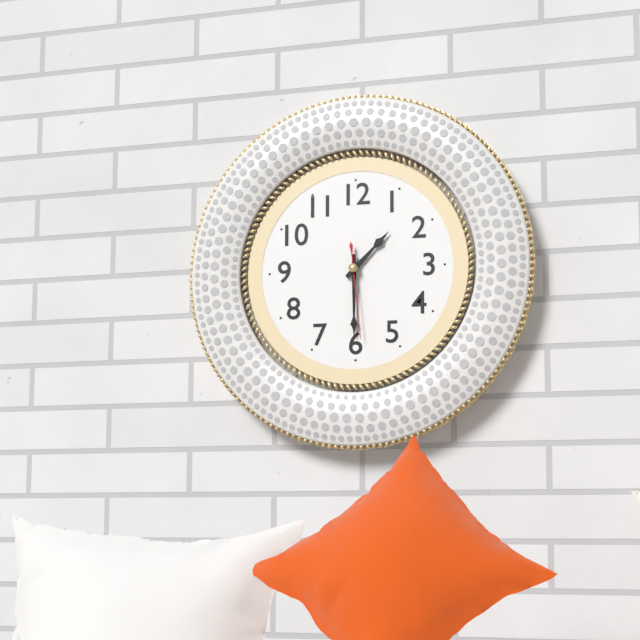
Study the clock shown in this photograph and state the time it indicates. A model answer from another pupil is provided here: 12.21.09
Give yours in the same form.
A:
1.30.29
